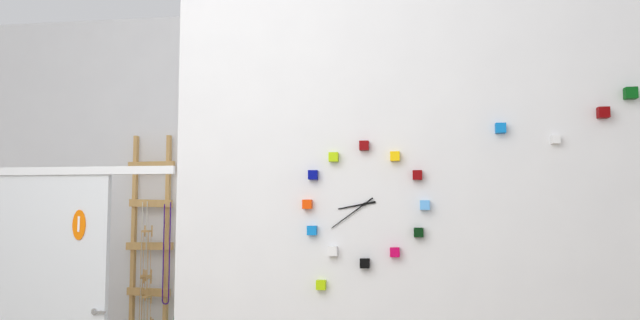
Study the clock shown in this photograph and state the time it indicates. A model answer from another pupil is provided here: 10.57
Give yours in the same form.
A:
8.39
